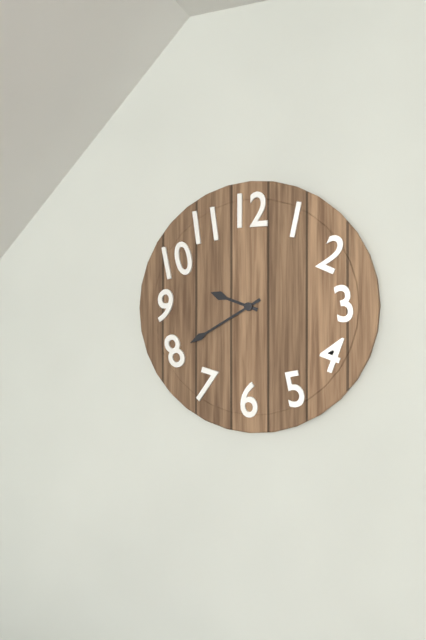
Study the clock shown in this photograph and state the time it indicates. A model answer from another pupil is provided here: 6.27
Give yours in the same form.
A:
9.40
